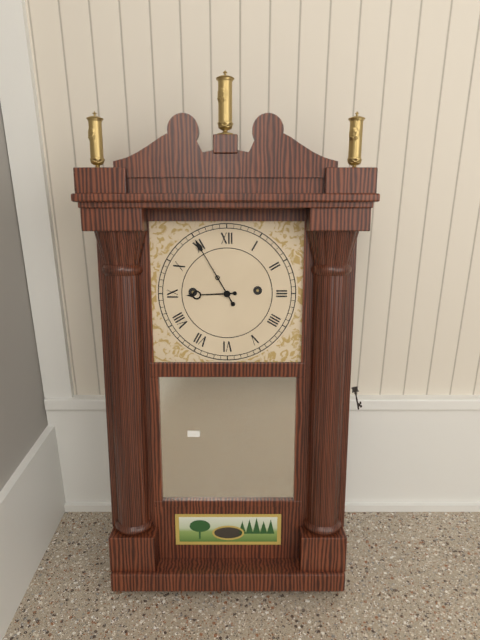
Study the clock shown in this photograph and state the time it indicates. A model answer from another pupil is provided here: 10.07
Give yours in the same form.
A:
8.55
